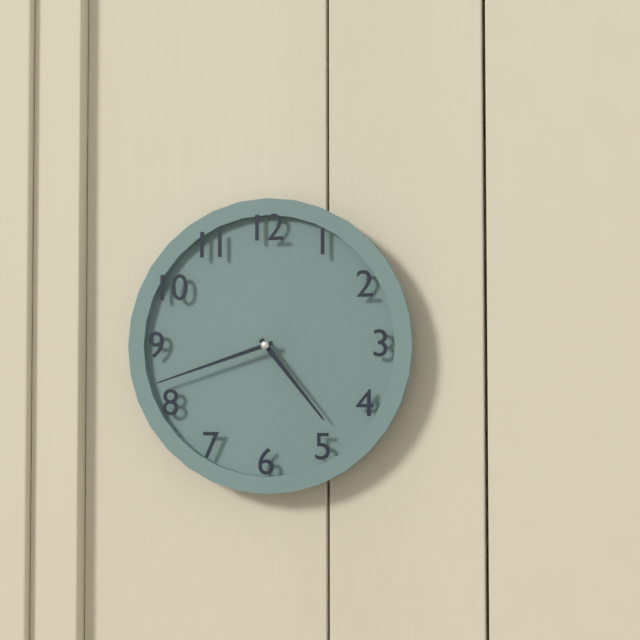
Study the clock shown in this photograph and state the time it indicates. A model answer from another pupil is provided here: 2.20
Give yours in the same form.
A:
4.42
